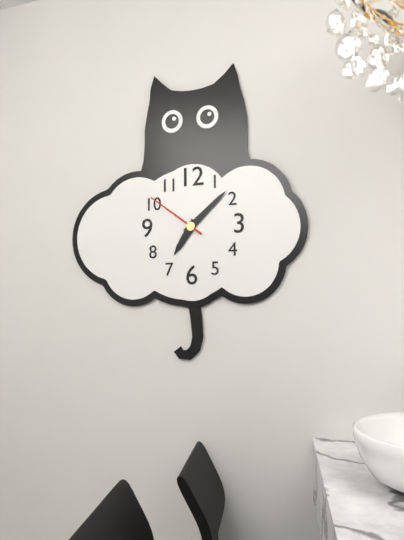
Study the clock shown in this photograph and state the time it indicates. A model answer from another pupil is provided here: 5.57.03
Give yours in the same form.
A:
7.08.51
